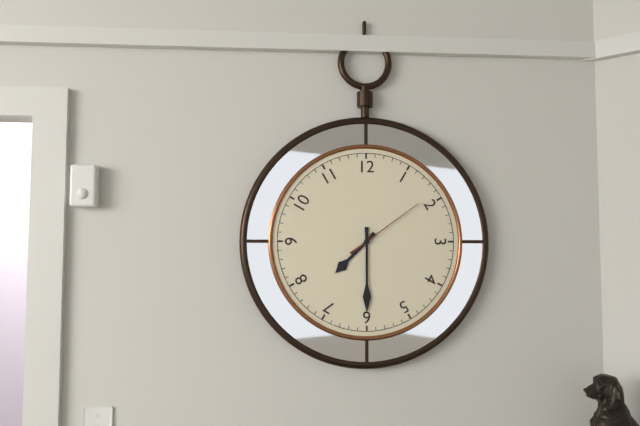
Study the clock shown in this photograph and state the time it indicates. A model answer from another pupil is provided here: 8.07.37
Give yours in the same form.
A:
7.30.09
